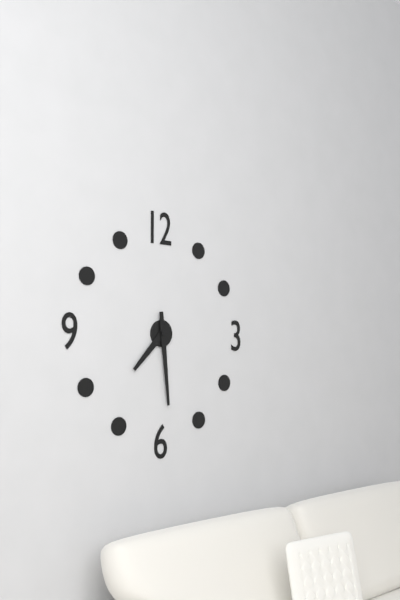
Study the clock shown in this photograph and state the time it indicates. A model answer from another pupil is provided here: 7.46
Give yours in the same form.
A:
7.29
